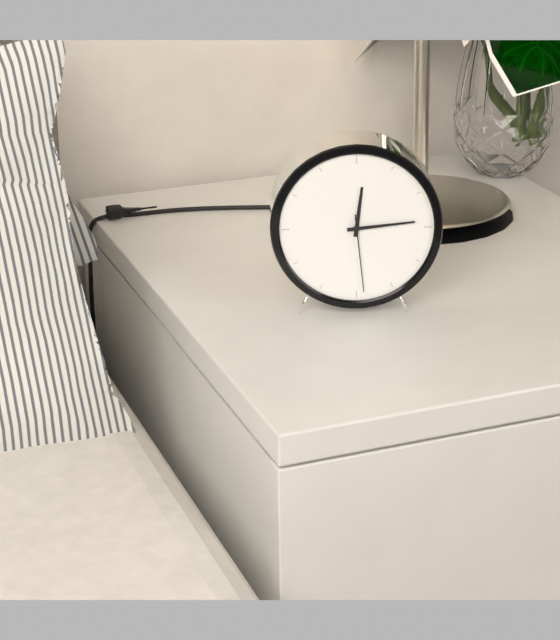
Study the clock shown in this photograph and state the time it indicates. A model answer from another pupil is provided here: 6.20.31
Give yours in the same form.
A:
12.14.29
